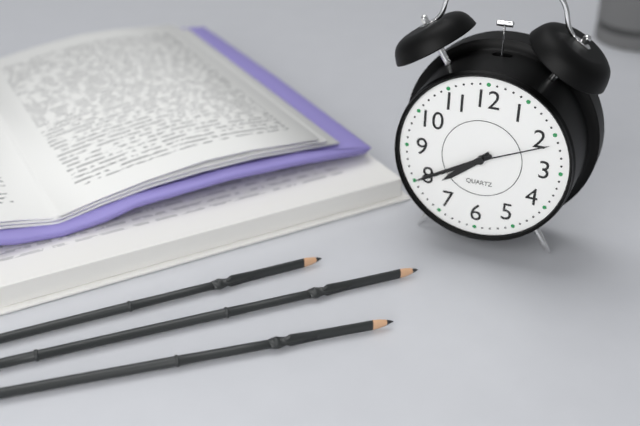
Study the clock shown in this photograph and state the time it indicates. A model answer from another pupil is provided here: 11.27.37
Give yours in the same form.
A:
7.40.11
